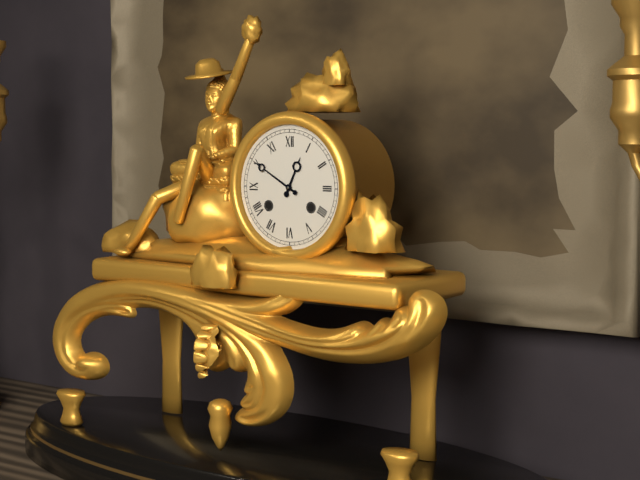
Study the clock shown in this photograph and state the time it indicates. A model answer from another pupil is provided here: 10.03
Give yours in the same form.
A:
12.50
